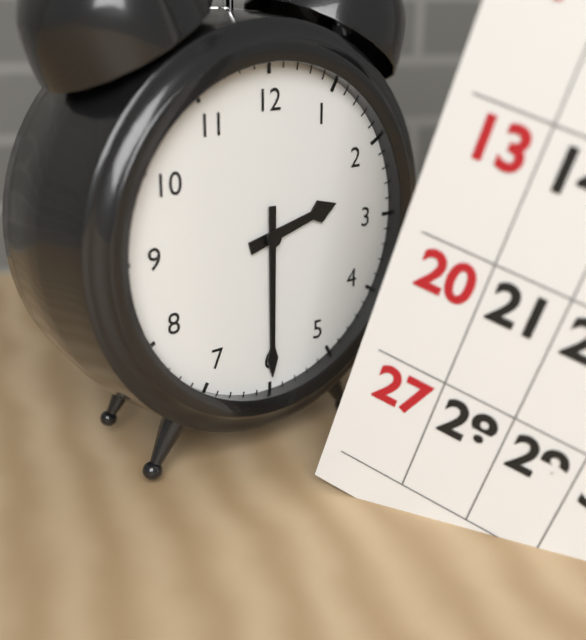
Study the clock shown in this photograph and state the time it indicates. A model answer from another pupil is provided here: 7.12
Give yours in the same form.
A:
2.30
